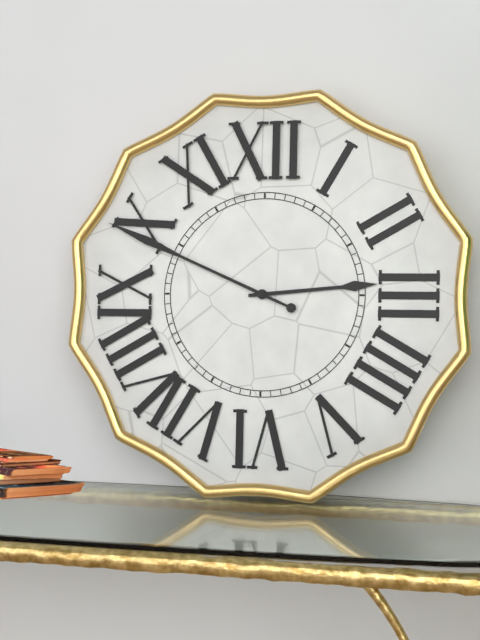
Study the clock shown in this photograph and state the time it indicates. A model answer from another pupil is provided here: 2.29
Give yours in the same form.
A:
2.49
